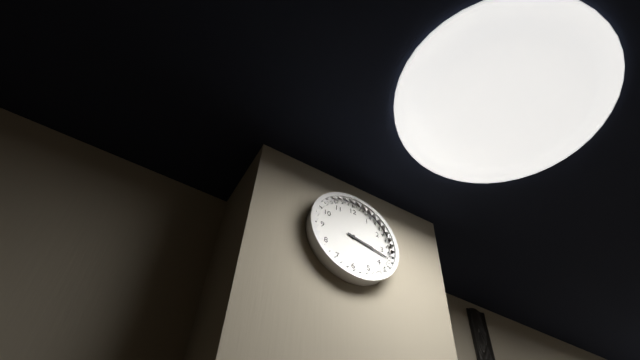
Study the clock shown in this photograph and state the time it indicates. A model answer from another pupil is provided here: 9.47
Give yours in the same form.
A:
3.17
